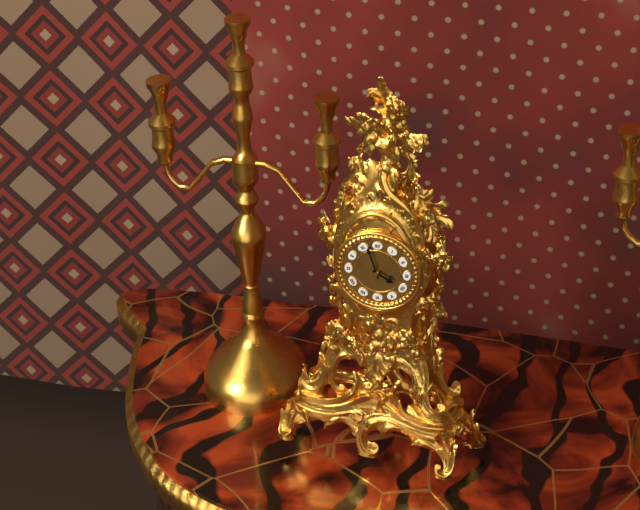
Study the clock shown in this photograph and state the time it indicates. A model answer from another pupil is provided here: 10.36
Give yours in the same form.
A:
3.57
